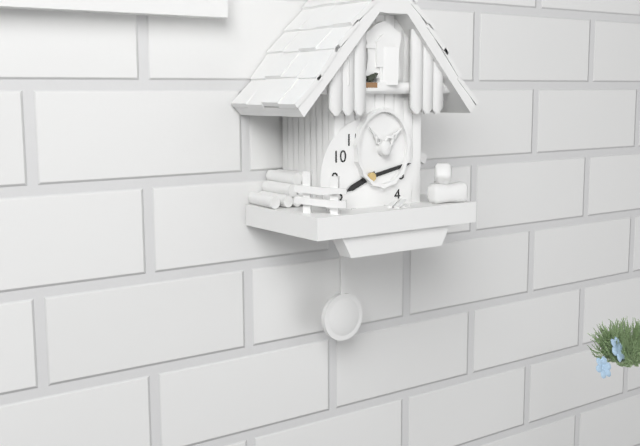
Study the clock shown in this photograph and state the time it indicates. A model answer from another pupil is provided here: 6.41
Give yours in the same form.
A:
8.13
